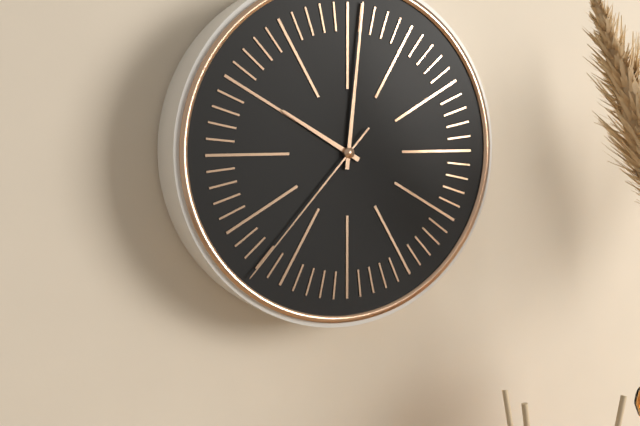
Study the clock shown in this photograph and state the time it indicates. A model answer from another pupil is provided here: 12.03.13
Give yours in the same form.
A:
10.01.37
